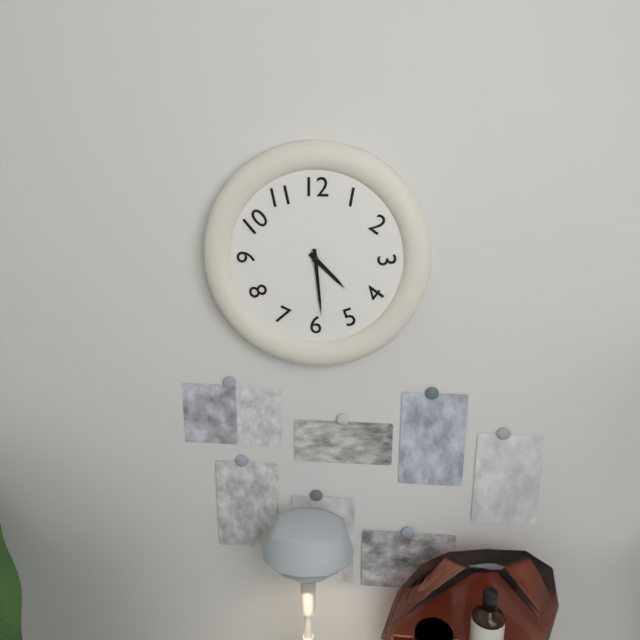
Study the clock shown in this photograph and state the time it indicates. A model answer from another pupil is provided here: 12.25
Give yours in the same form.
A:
4.29
